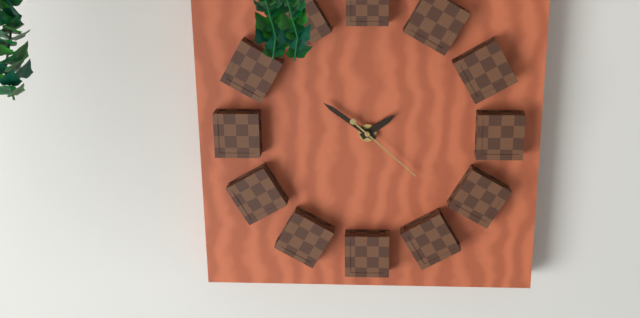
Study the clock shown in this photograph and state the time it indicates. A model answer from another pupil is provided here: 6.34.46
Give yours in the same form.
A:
1.51.22
